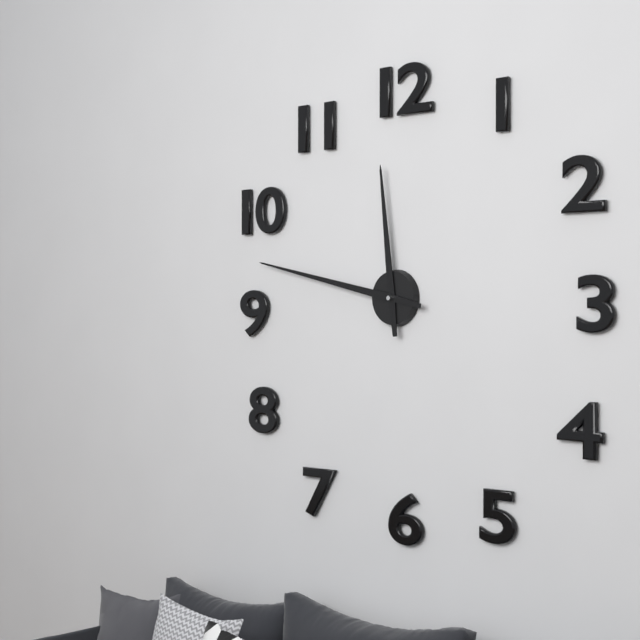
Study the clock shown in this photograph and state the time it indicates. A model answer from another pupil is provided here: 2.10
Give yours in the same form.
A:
11.47
